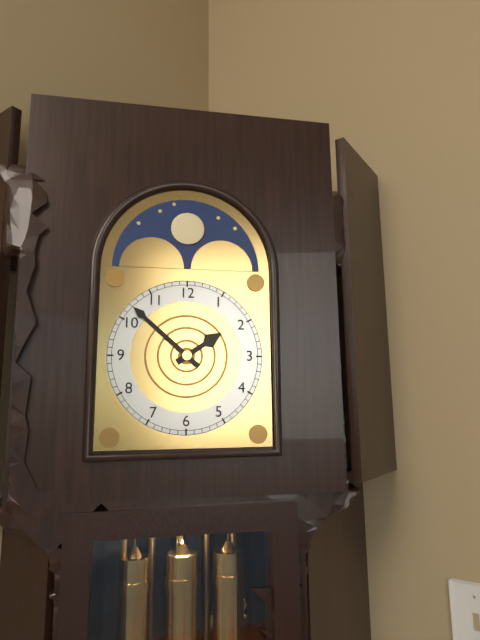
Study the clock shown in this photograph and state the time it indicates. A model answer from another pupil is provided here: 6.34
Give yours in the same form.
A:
1.52
